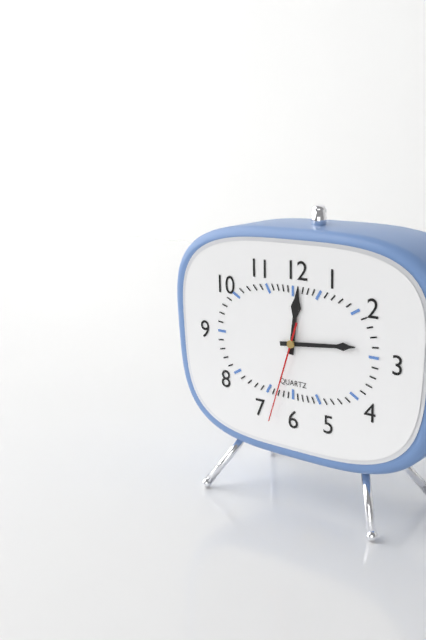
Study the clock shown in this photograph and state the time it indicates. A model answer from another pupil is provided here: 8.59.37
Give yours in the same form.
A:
12.14.33
